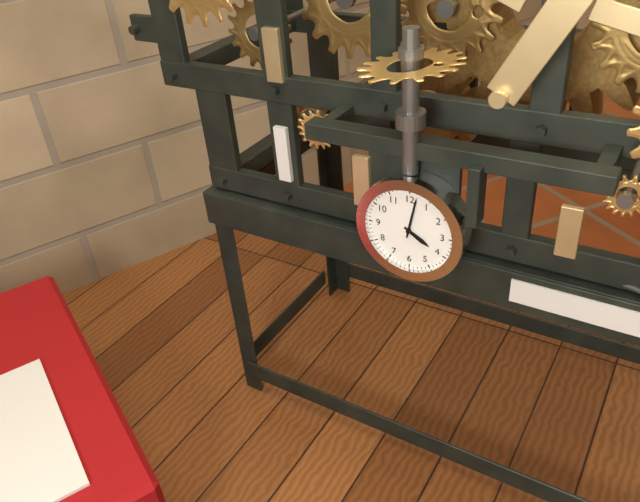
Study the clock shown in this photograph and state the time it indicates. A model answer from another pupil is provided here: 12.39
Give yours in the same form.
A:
4.02
